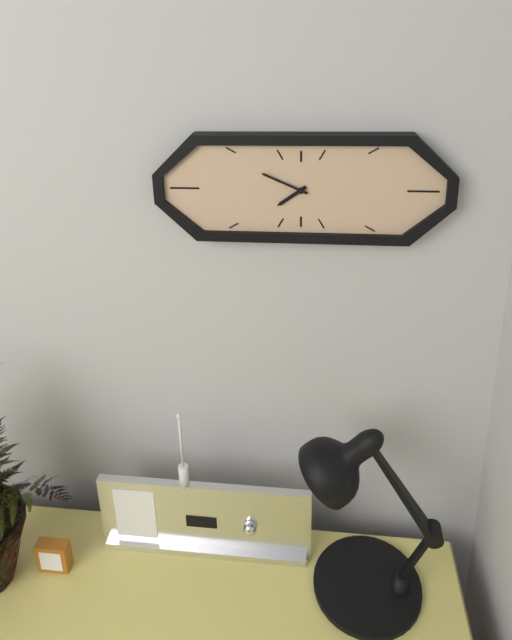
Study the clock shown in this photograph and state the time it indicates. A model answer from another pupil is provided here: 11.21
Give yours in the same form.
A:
7.49
